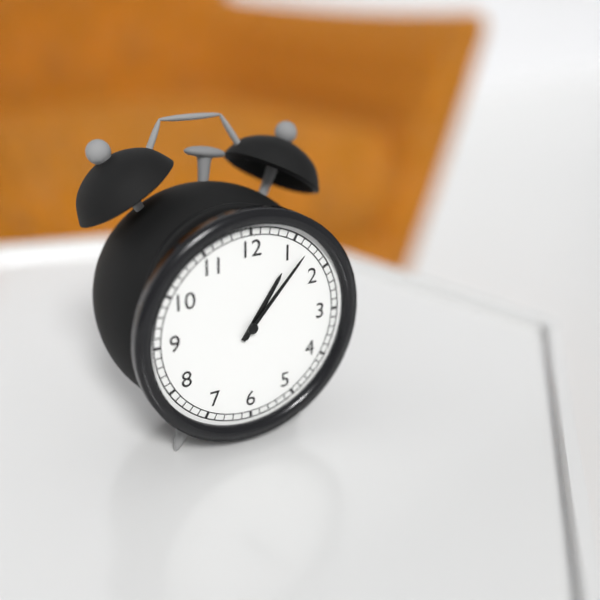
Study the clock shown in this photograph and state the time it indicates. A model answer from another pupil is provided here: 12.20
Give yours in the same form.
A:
1.07
